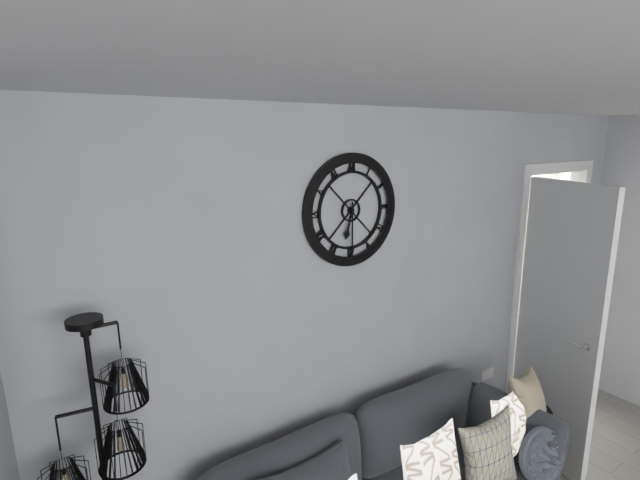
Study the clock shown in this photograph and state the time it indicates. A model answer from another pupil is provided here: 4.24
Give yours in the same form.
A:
6.30
